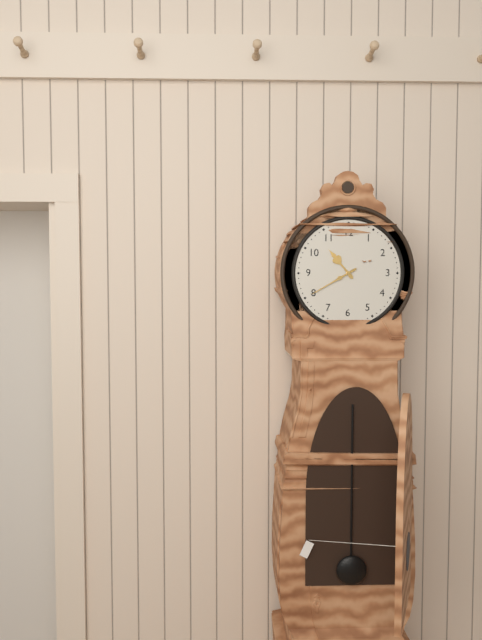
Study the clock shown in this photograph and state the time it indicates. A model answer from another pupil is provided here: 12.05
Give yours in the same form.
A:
10.40
